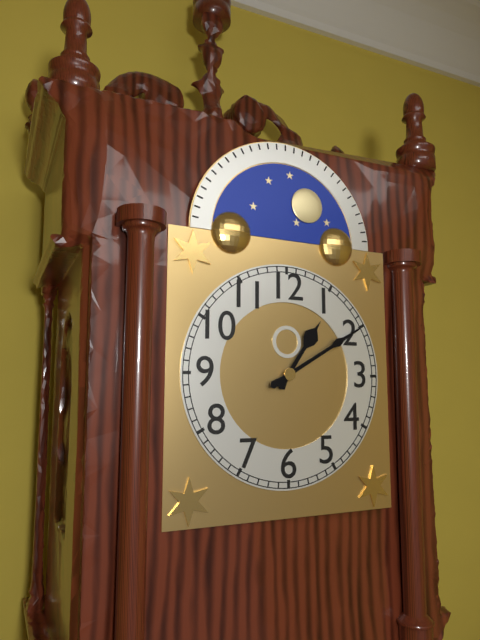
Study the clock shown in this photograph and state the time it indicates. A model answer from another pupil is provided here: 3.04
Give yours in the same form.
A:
1.10
